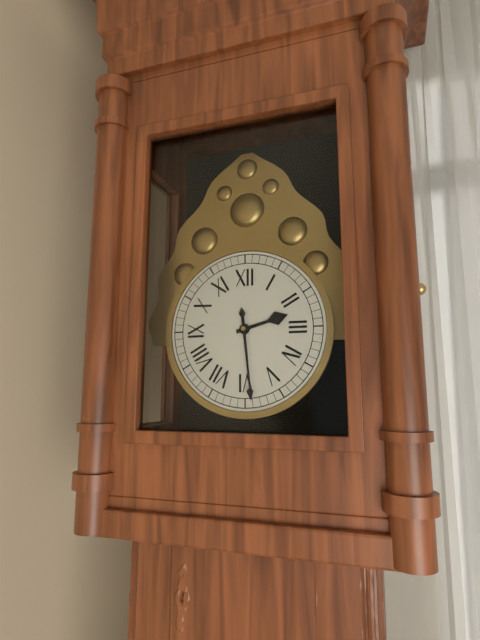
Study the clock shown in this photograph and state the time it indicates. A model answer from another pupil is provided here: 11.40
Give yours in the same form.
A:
2.29
